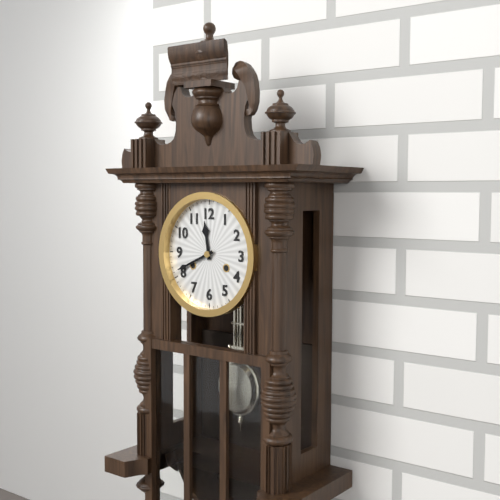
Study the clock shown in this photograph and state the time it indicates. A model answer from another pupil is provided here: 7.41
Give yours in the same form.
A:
11.41
